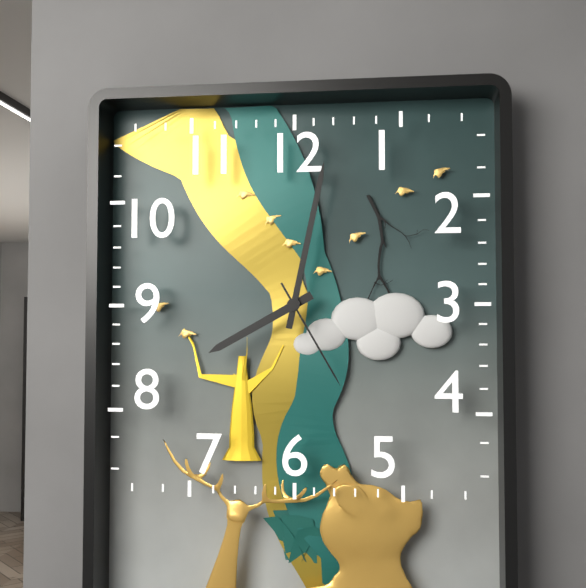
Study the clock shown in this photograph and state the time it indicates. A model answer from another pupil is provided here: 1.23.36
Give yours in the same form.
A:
8.02.25
